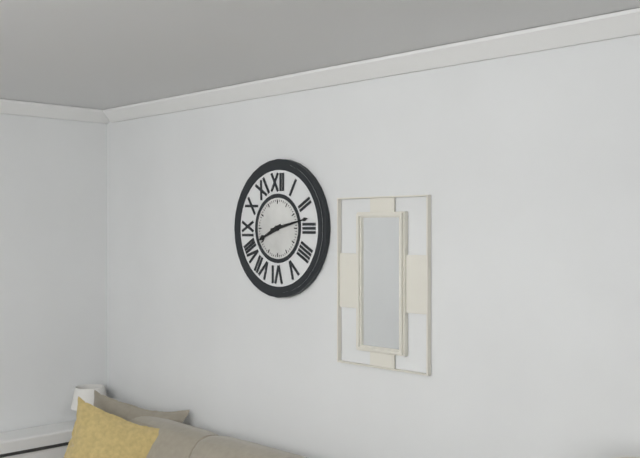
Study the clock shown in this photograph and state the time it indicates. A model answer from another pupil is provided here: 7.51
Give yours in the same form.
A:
8.13
